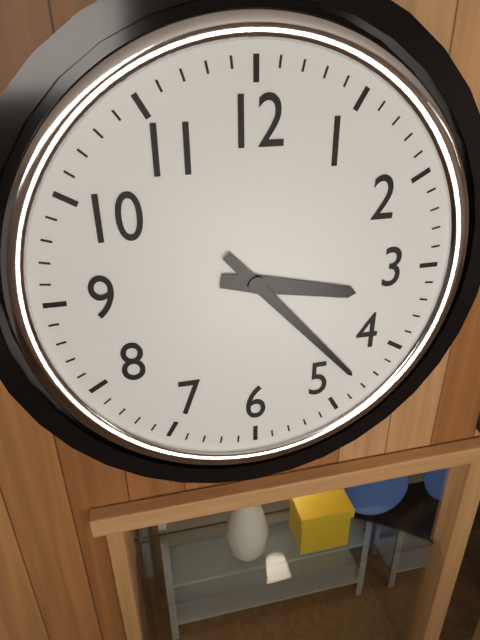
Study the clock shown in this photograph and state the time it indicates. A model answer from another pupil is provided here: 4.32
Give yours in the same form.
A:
3.23
